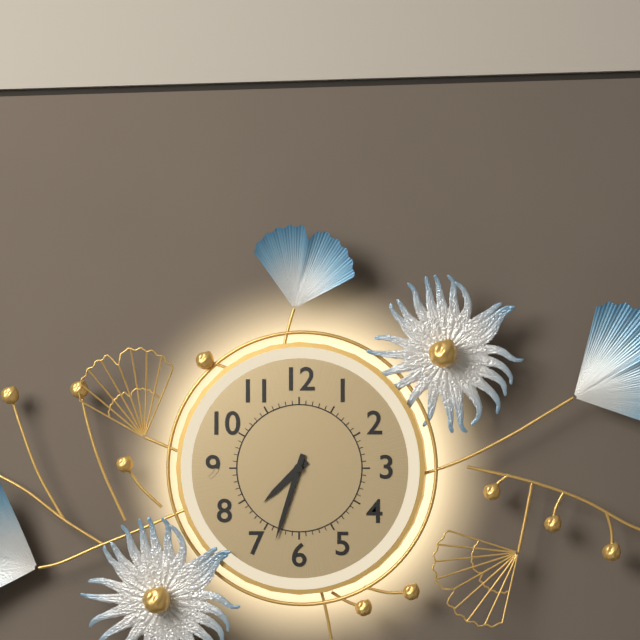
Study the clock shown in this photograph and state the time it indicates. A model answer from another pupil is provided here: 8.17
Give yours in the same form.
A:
7.33
